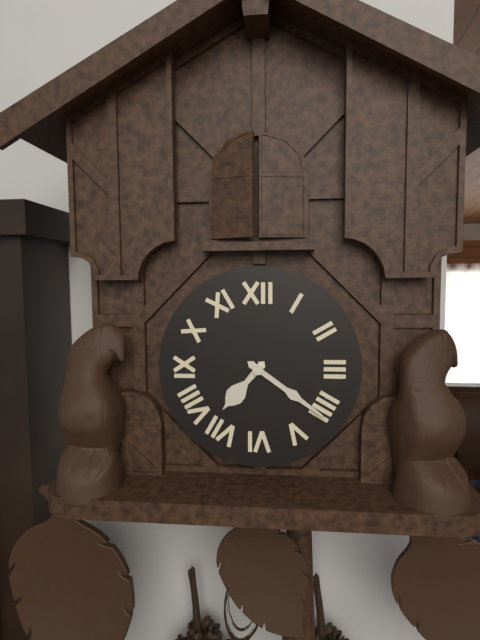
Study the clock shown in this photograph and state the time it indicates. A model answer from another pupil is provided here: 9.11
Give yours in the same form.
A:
7.21
